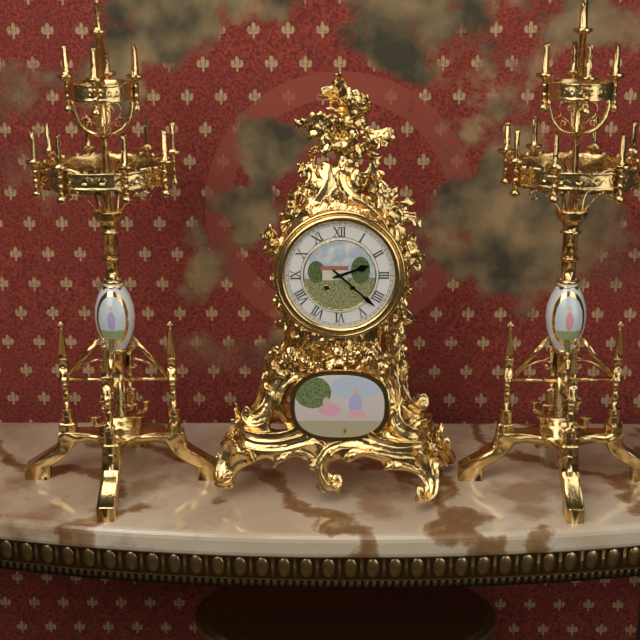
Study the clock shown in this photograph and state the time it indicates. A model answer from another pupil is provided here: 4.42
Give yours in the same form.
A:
2.22
